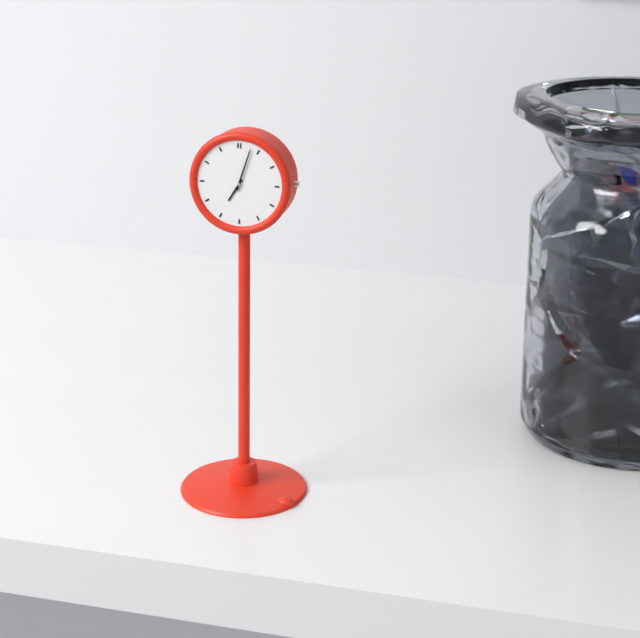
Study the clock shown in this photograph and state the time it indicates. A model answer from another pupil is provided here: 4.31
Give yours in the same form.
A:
7.03
